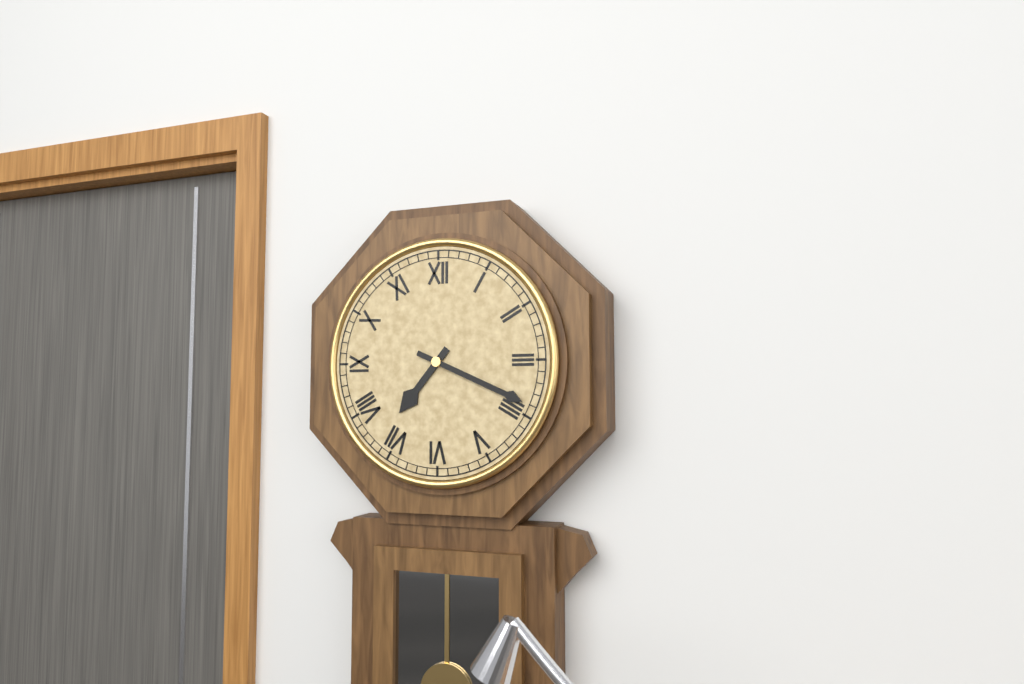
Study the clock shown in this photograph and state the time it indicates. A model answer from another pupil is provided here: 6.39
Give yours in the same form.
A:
7.19
